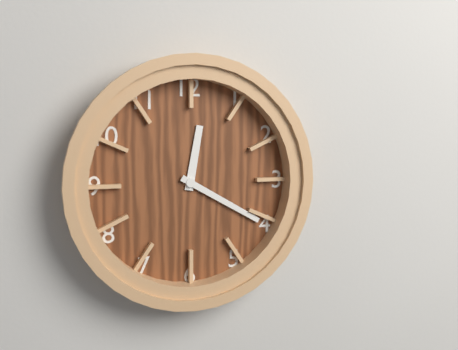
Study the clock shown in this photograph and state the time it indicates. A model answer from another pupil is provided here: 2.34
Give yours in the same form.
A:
12.20
